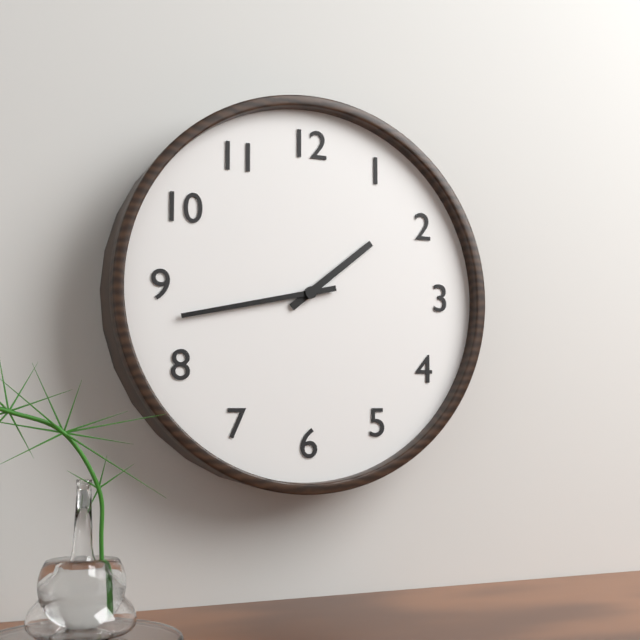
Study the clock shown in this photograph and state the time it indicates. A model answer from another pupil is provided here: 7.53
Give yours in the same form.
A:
1.43
